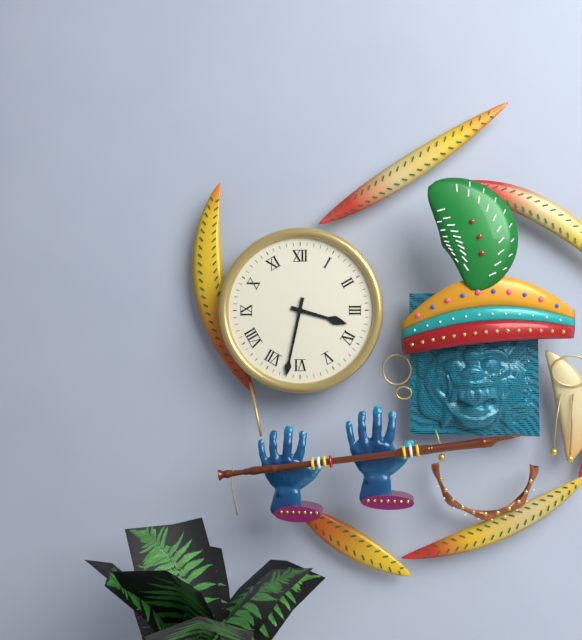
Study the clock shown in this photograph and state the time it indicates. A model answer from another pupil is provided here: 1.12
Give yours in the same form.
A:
3.32
